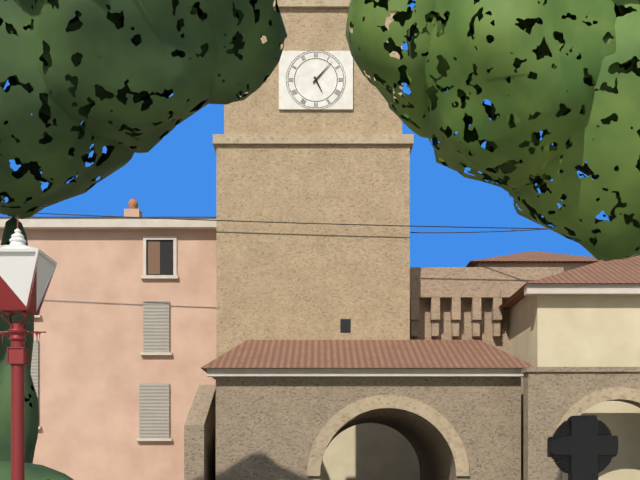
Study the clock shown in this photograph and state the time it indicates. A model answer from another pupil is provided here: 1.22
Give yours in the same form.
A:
5.07
